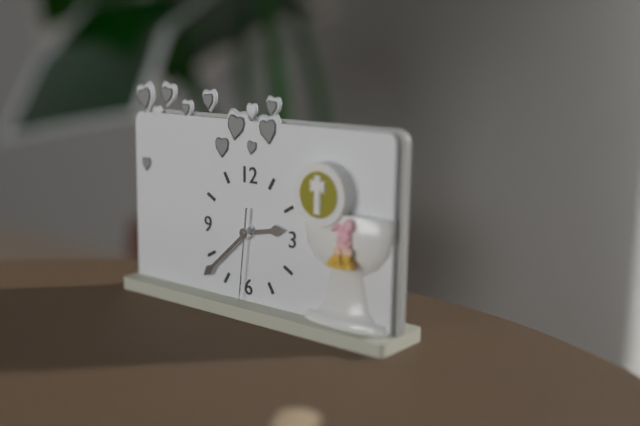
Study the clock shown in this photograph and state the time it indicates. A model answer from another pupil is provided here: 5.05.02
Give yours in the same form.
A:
2.38.31
